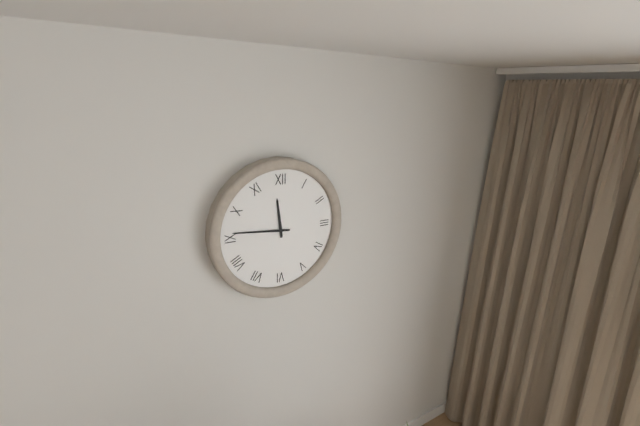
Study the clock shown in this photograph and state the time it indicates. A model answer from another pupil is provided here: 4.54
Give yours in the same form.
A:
11.46
